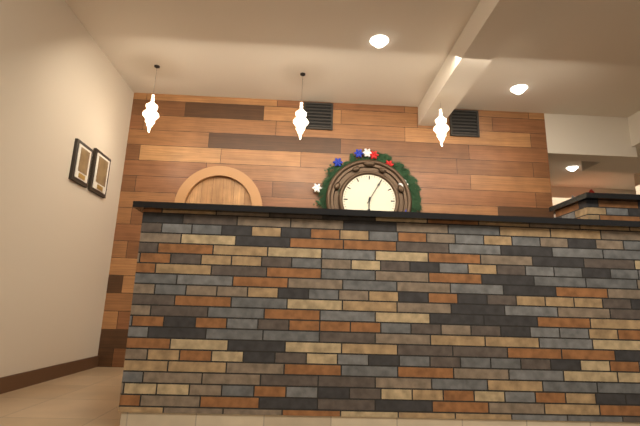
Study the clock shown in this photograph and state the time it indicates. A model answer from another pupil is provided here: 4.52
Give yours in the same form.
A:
6.05
